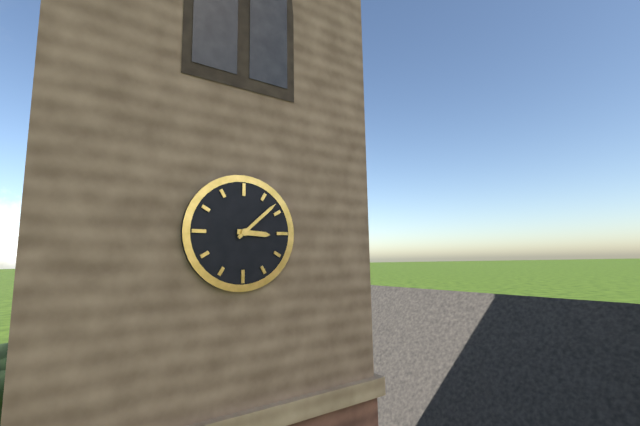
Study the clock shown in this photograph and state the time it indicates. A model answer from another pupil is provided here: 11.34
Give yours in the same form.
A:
3.08
